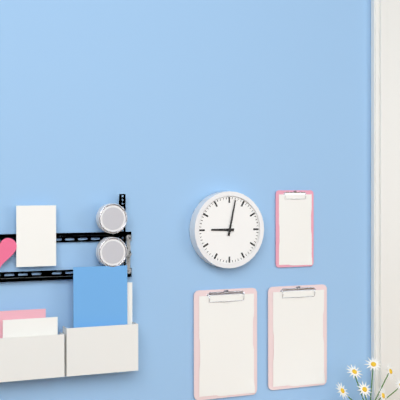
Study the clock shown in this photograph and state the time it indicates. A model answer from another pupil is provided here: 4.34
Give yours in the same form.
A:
9.02
